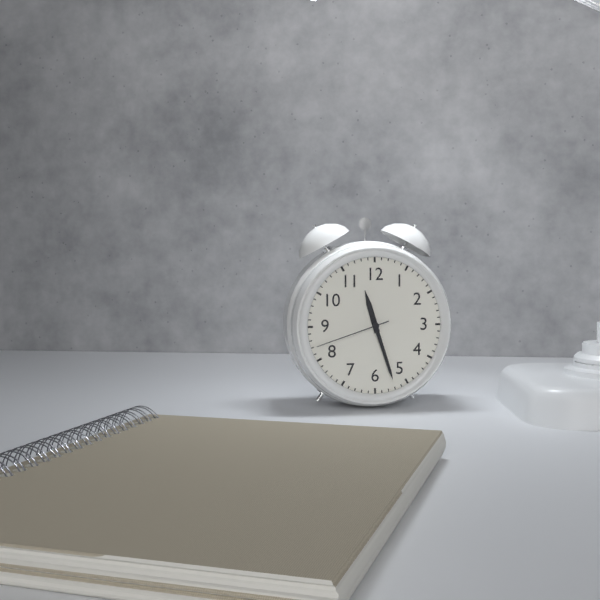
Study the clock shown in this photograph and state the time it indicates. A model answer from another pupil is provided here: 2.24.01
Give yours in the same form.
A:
11.27.42
